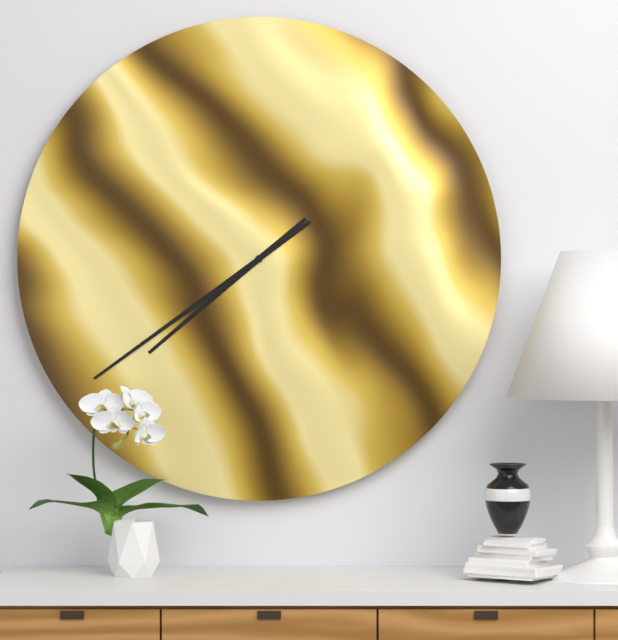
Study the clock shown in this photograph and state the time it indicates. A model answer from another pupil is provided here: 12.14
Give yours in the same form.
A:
7.39
